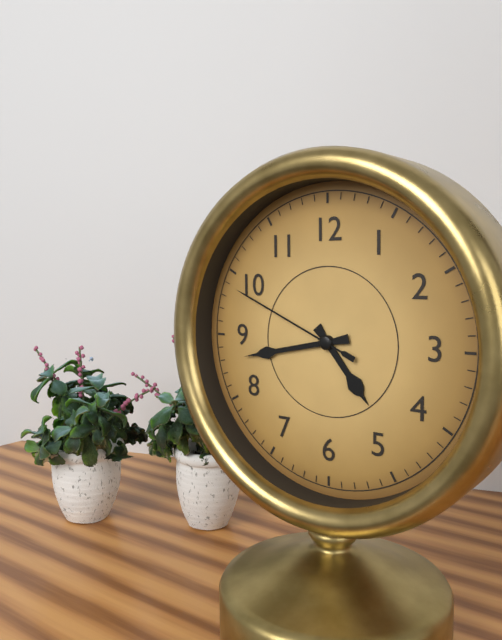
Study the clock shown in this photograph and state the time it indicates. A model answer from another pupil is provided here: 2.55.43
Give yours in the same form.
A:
4.43.49
